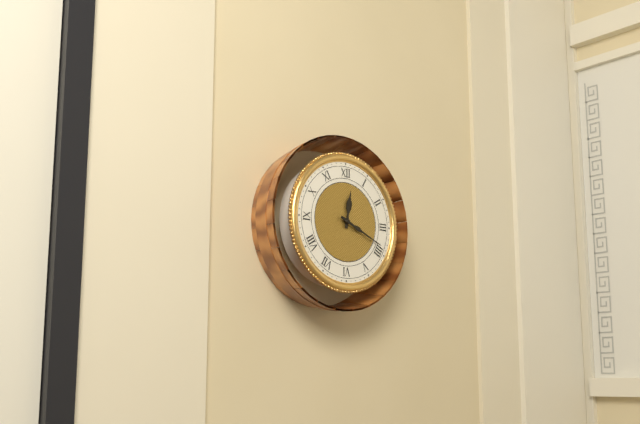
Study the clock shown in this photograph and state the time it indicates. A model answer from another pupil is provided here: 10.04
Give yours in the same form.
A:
12.19
